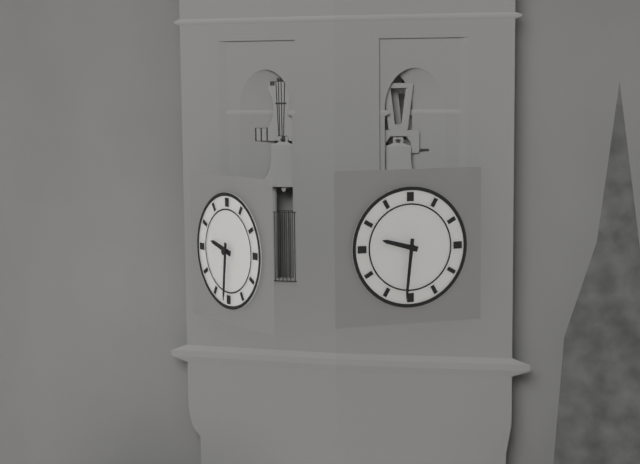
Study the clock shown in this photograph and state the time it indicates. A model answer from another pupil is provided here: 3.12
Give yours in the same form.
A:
9.31
